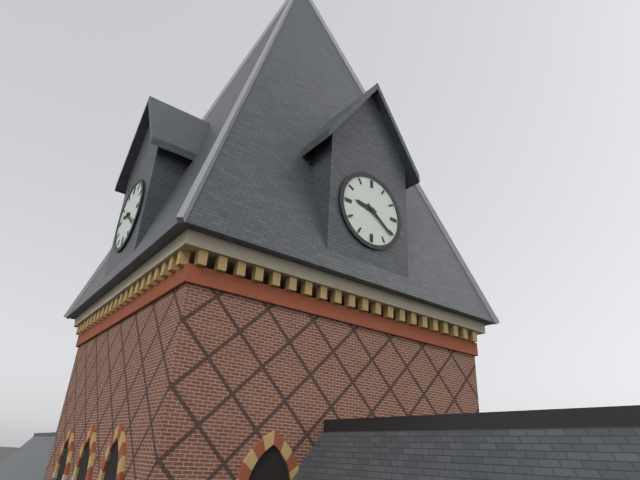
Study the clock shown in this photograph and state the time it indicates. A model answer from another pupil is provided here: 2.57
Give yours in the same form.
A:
9.21
